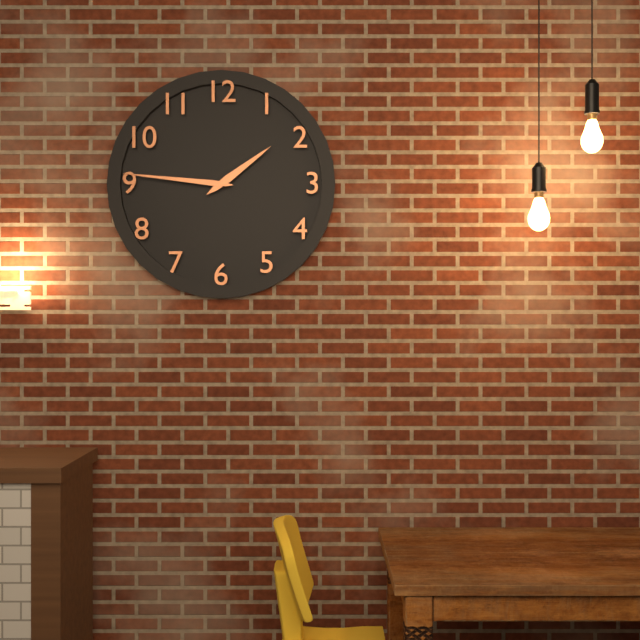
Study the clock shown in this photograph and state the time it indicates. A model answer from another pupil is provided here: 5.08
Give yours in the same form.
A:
1.46
